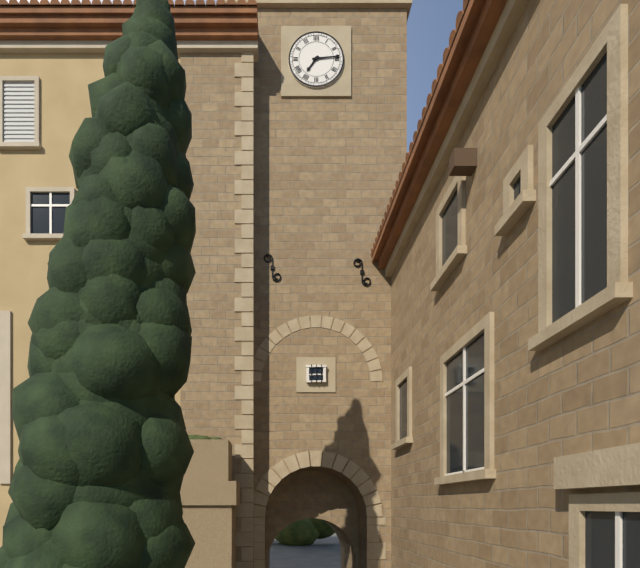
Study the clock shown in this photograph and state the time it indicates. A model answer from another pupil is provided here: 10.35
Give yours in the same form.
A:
7.14
